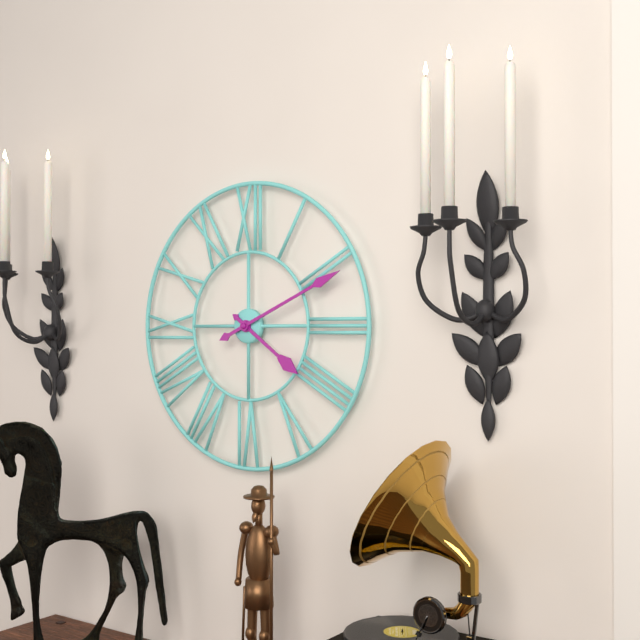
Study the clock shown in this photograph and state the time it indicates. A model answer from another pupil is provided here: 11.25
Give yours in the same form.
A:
4.11
